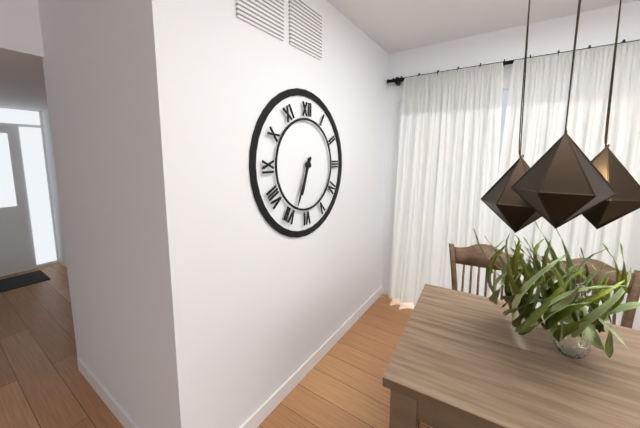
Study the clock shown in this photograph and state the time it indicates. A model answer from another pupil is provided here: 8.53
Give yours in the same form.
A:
6.34
